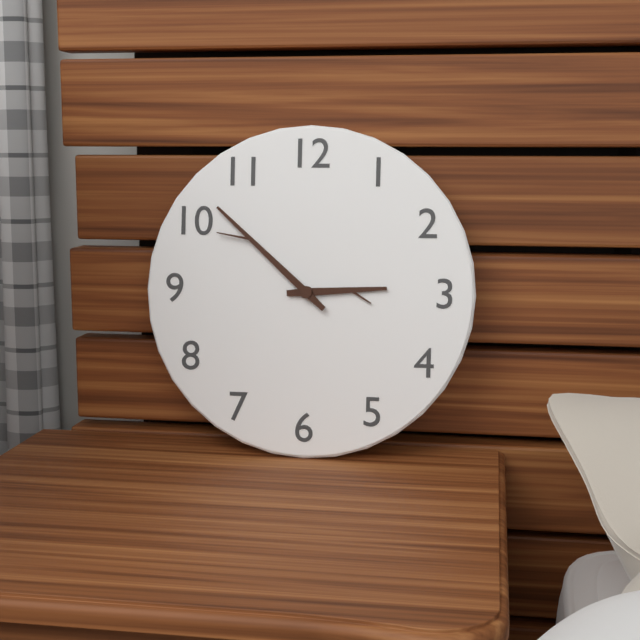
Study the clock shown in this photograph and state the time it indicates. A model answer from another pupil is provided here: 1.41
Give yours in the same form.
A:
2.52
